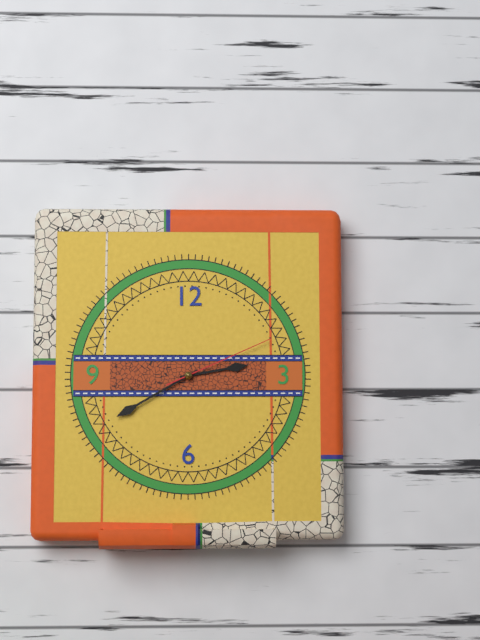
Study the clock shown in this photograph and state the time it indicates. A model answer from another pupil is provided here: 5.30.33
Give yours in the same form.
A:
2.40.11
